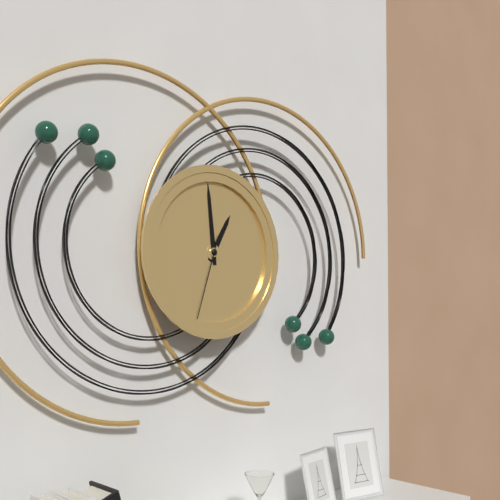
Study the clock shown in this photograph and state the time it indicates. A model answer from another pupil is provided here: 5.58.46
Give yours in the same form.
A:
12.59.33
